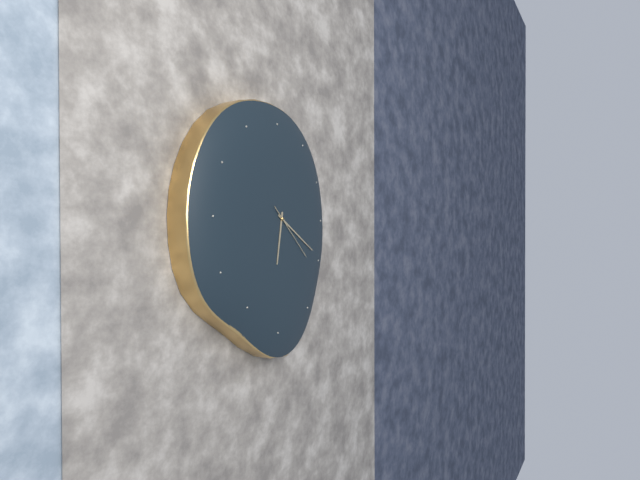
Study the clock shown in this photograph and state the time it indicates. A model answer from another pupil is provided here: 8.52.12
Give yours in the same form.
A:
6.20.22
